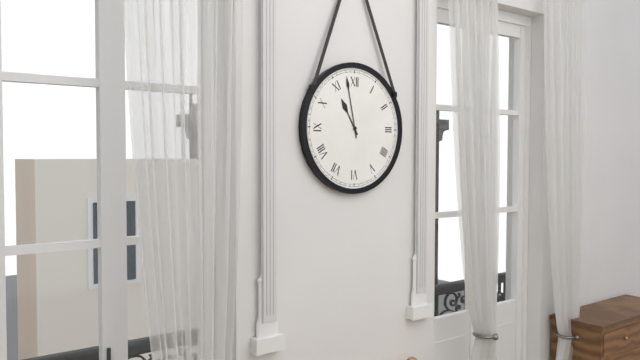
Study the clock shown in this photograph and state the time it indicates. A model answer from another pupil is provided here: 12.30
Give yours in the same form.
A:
10.58
